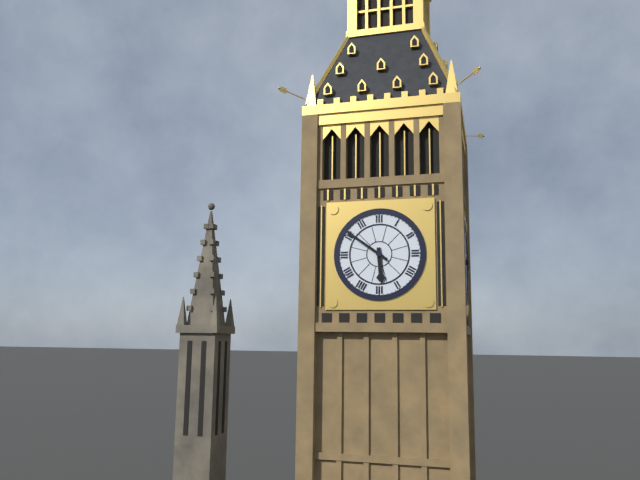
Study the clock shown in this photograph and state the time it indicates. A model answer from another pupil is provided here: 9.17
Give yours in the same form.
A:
5.51
